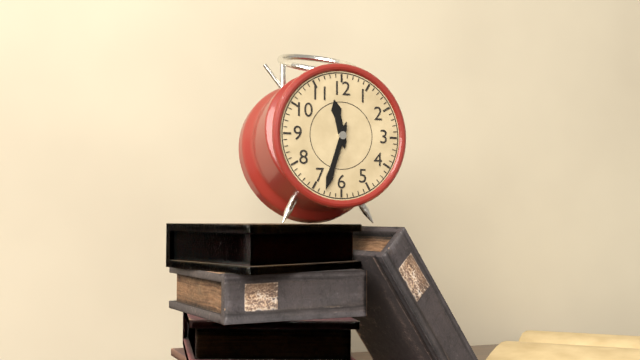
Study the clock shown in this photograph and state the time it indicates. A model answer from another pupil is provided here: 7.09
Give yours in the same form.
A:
11.33
